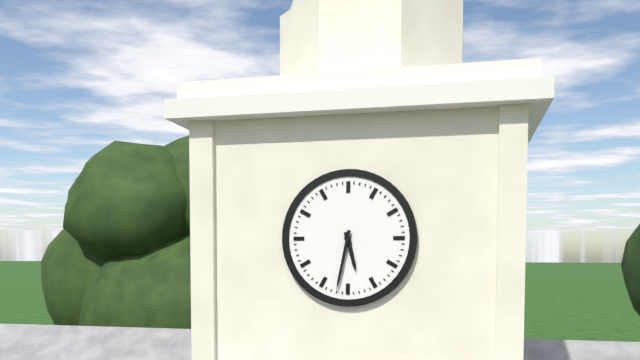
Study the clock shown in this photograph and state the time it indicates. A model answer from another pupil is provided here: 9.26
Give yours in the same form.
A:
5.32
